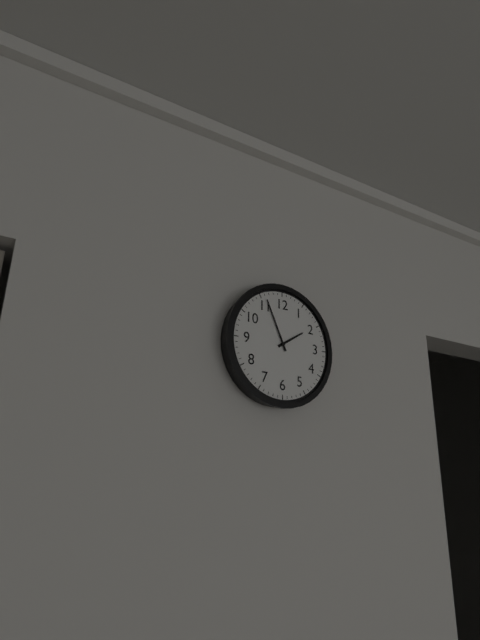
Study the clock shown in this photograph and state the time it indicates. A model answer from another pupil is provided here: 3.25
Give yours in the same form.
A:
1.56
